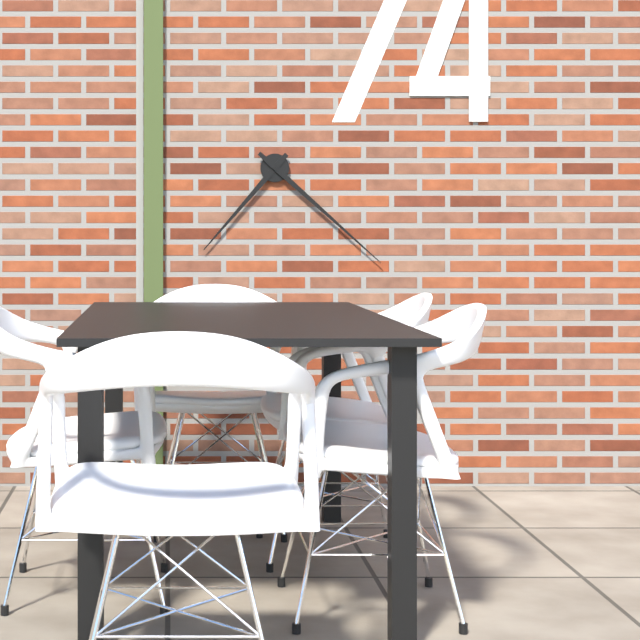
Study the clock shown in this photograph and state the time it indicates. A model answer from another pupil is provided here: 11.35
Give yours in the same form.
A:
7.22
